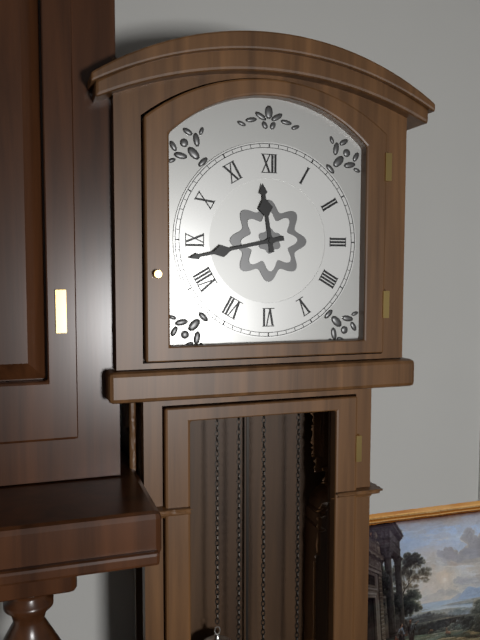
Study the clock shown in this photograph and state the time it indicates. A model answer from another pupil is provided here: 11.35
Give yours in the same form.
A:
11.43
